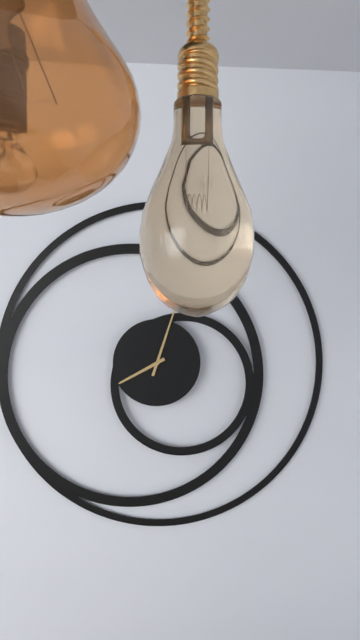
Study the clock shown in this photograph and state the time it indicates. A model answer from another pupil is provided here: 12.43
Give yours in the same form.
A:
8.03
